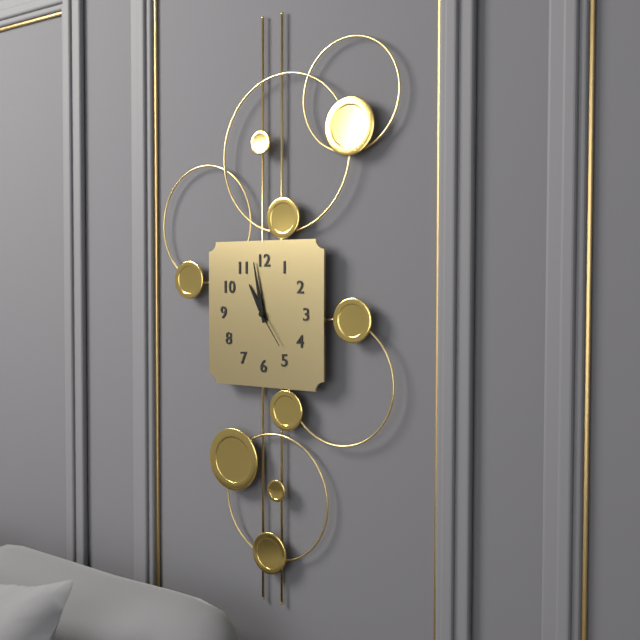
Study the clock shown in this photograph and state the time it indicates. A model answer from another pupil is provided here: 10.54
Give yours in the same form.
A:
10.58
